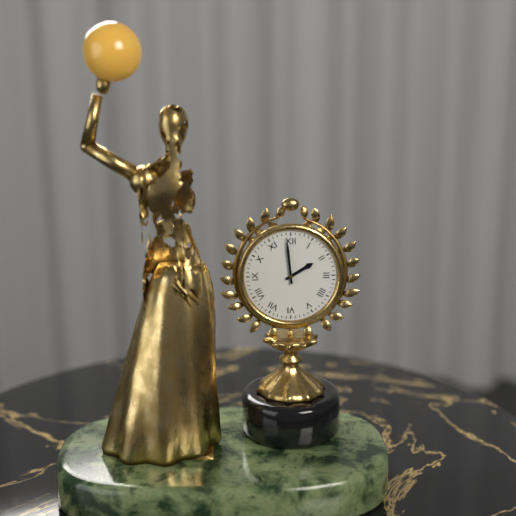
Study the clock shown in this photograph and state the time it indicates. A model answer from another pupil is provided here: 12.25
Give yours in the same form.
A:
1.59
